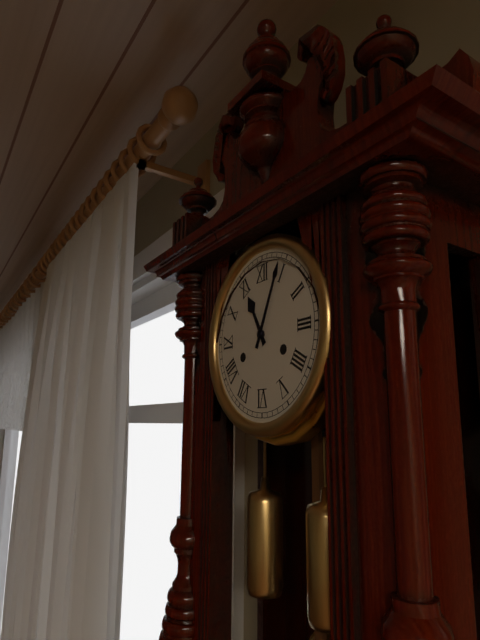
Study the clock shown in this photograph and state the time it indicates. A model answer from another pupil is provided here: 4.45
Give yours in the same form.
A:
11.04
